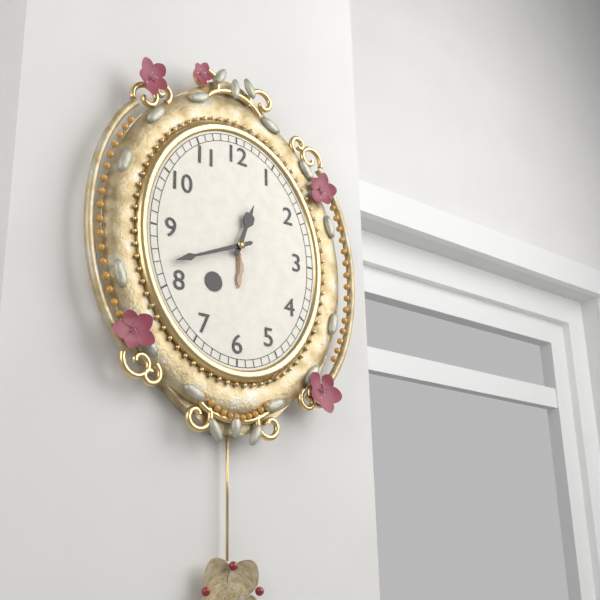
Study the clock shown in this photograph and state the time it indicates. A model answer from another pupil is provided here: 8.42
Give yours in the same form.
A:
12.41
